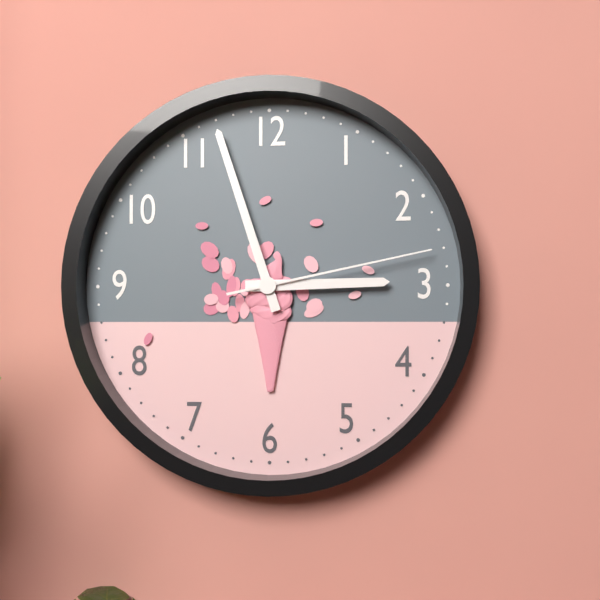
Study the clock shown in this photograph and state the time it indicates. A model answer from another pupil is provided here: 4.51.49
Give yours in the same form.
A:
2.57.13
